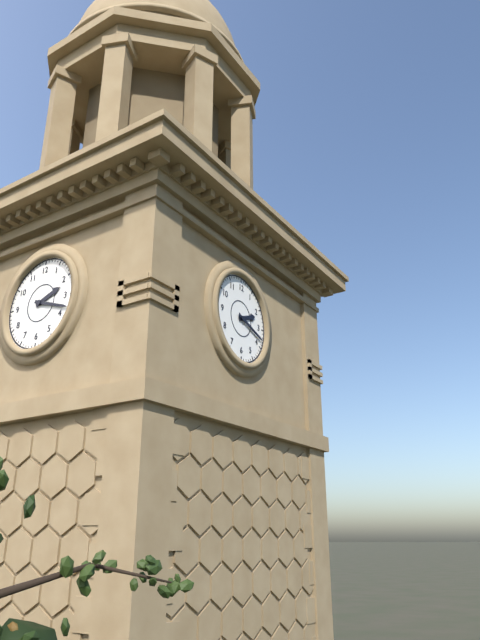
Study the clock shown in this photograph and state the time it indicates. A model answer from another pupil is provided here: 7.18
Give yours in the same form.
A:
2.18
